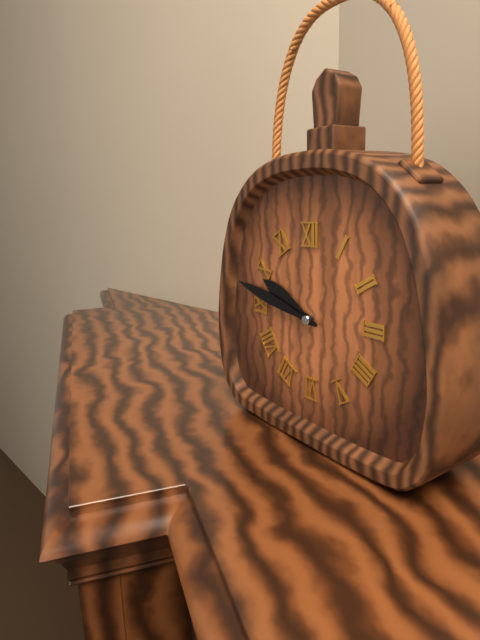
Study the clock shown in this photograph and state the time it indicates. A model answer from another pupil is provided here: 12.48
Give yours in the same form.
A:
9.47
